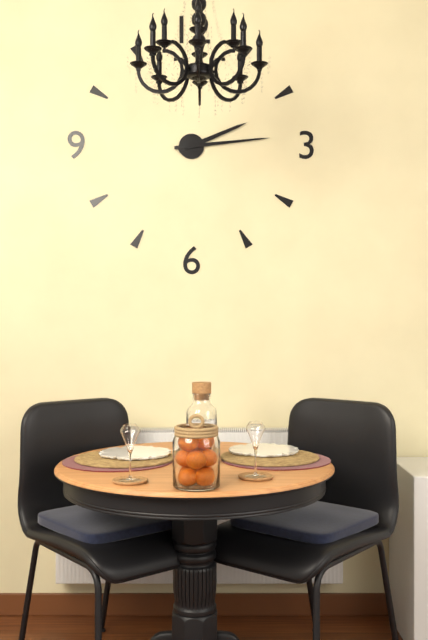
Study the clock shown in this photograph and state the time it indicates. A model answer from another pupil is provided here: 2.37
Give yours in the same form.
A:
2.14
